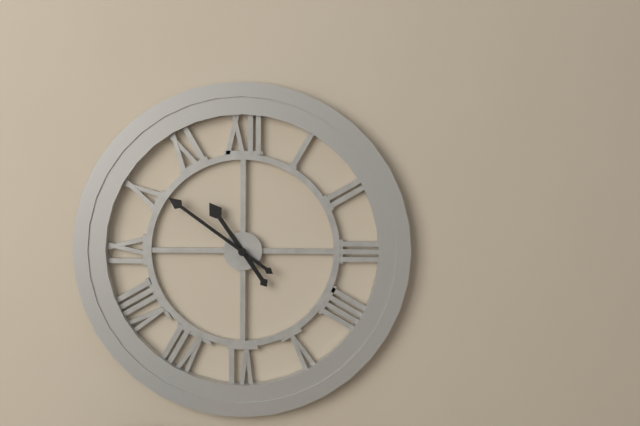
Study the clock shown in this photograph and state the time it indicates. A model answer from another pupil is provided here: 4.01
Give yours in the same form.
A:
10.51
